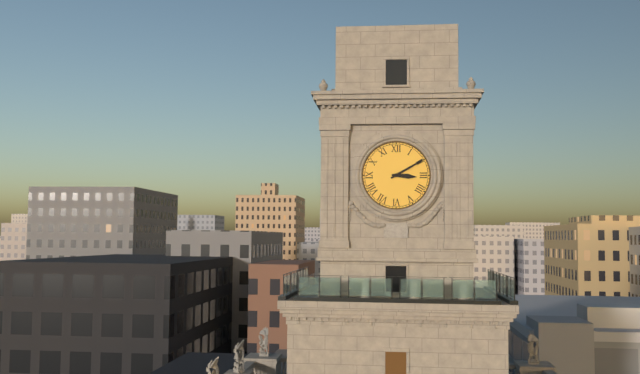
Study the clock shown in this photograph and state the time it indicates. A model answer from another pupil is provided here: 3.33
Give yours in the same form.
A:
3.10
